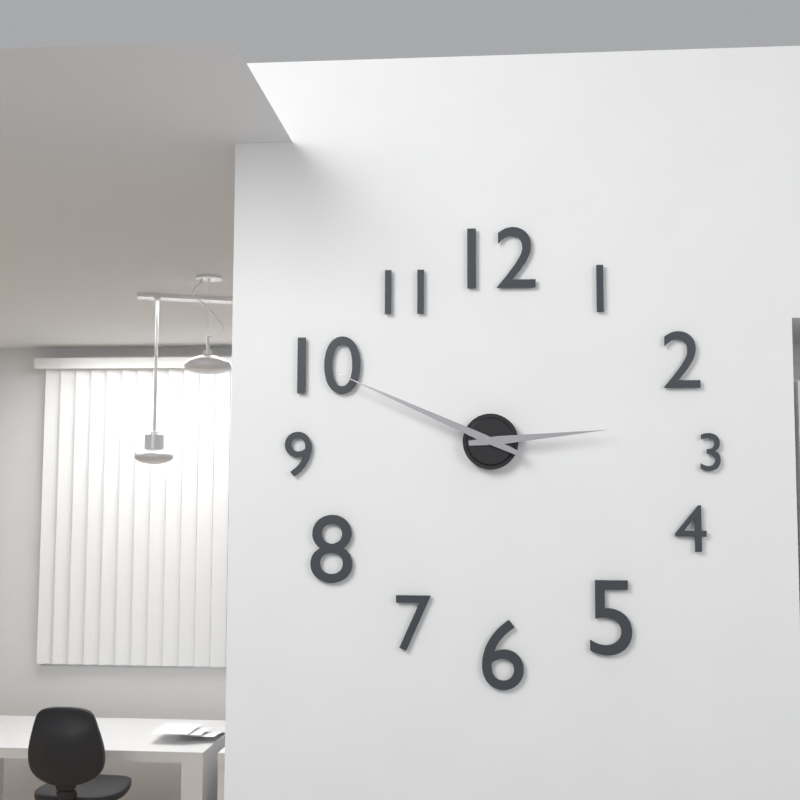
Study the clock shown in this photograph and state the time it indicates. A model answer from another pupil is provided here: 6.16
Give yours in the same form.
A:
2.49
